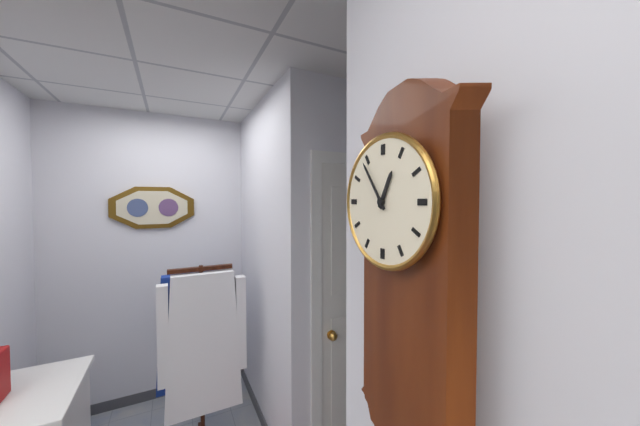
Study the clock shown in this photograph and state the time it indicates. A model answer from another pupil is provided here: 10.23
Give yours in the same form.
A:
12.54
